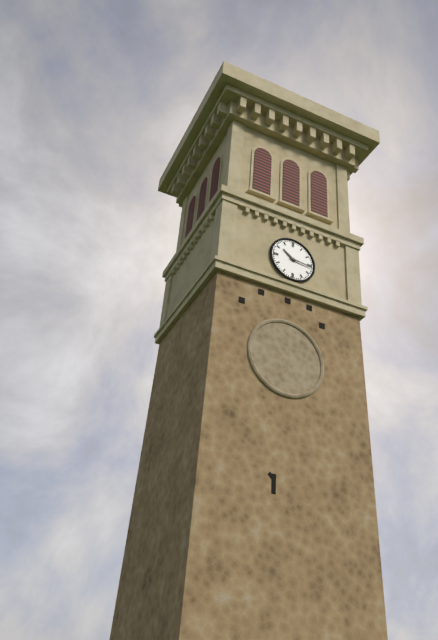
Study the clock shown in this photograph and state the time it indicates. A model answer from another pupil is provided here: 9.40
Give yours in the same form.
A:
10.16
